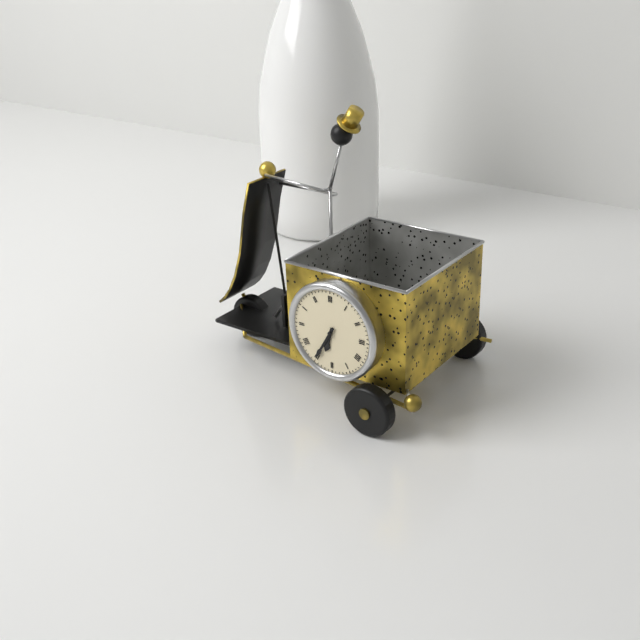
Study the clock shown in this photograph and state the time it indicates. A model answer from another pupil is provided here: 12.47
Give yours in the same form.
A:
6.35
